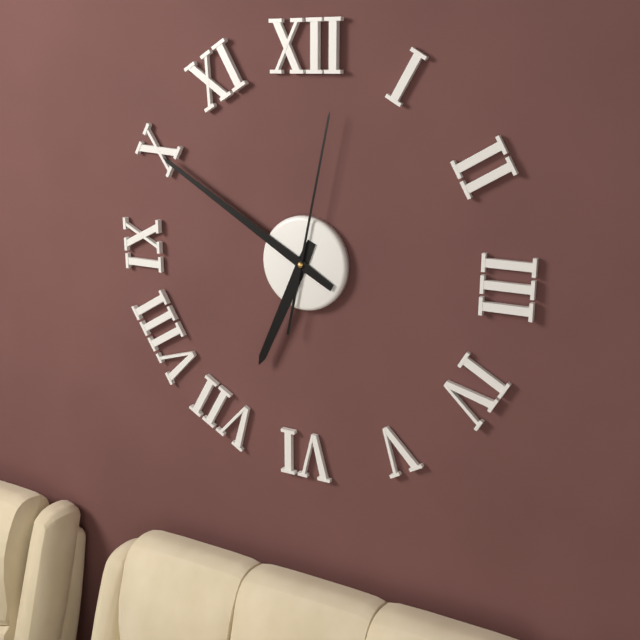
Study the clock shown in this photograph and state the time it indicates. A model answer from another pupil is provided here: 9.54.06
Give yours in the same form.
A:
6.50.02
